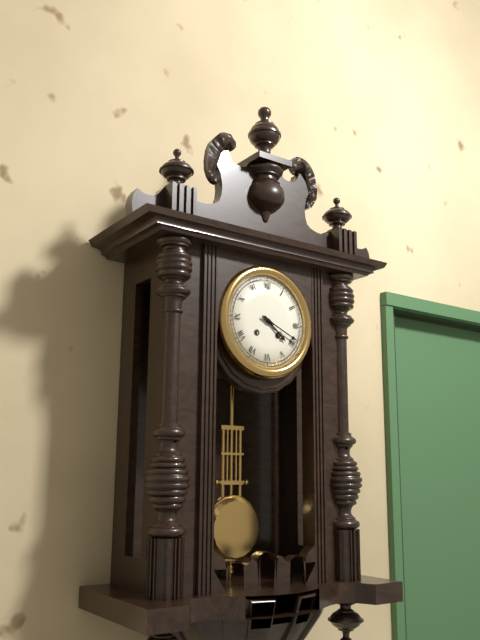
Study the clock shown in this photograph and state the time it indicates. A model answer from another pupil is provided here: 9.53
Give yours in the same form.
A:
4.19
